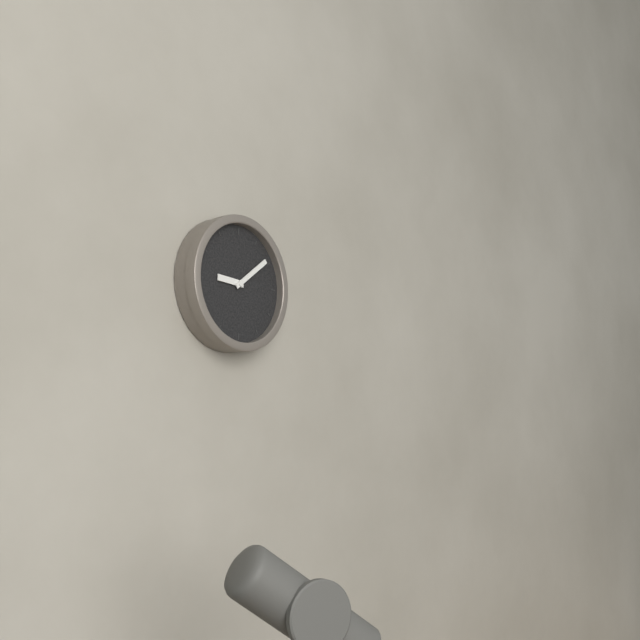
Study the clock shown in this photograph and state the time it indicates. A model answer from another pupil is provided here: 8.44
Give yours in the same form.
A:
9.09
